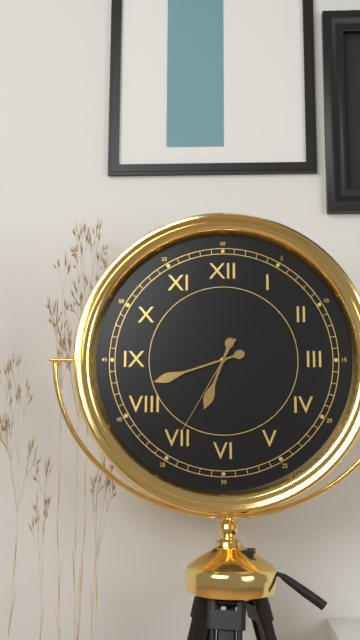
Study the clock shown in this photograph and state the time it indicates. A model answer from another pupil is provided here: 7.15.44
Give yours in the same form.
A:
6.42.35
